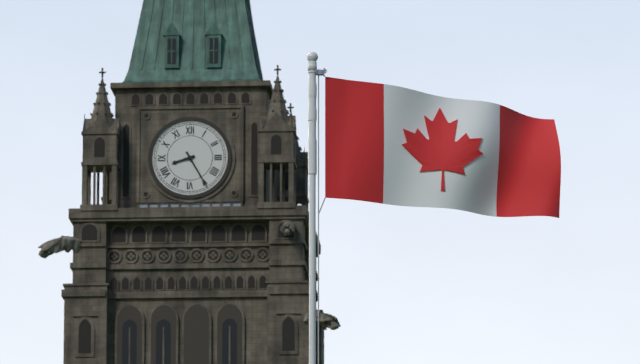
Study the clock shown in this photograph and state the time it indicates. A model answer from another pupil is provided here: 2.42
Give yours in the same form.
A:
8.25
